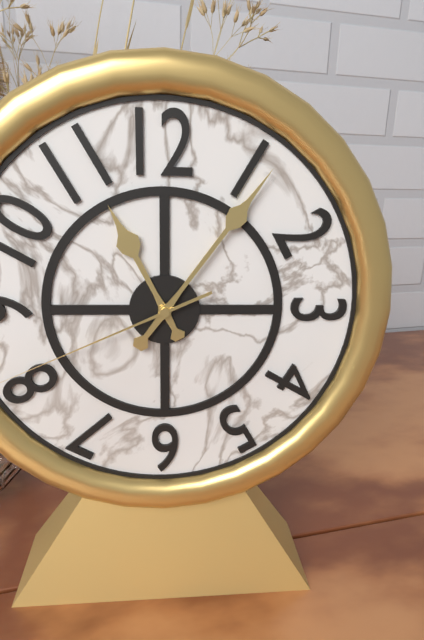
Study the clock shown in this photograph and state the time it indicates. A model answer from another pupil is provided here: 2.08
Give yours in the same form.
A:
11.06
